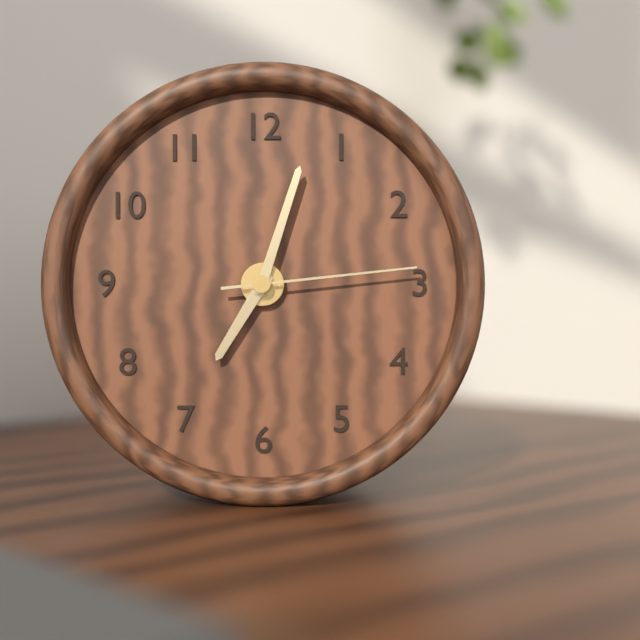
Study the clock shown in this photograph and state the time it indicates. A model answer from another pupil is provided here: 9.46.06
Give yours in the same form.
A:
7.03.14
